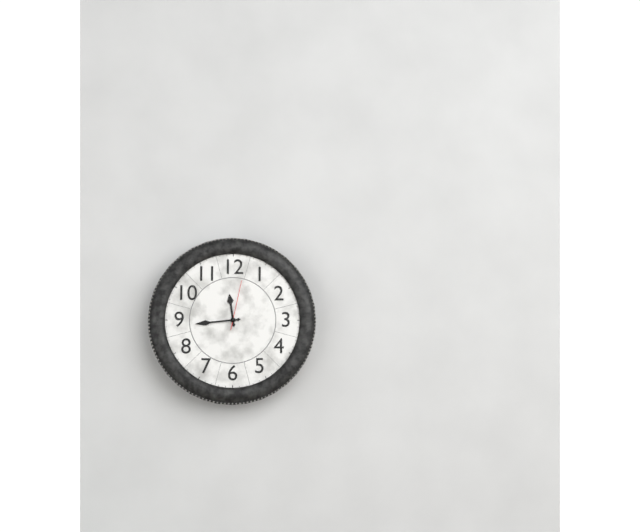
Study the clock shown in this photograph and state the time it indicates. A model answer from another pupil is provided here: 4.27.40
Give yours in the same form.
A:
11.44.02
